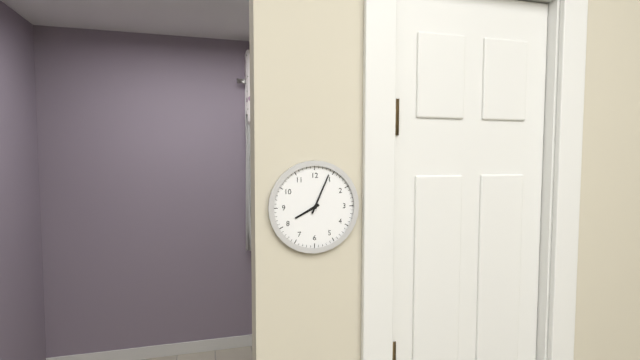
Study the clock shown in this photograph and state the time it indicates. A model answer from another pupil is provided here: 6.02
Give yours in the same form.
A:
8.04
